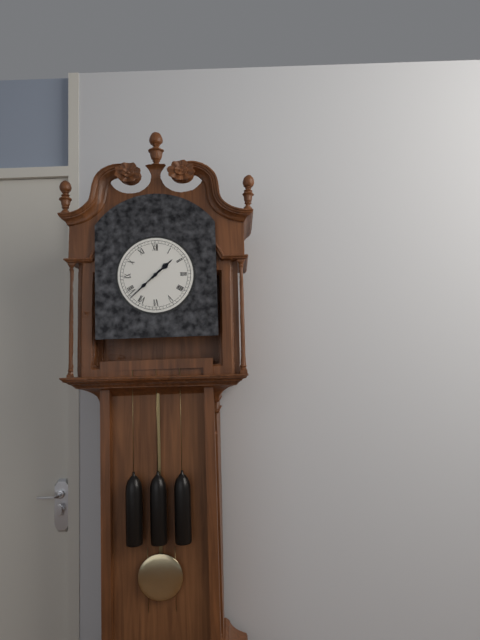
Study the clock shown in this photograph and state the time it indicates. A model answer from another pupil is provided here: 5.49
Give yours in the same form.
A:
1.38
